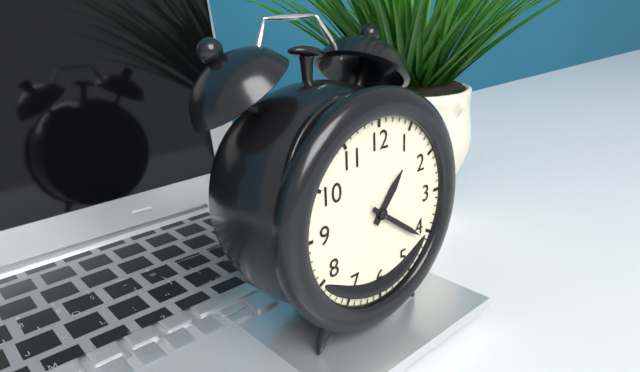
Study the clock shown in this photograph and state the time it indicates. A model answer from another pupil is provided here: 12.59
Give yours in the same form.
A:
1.21
